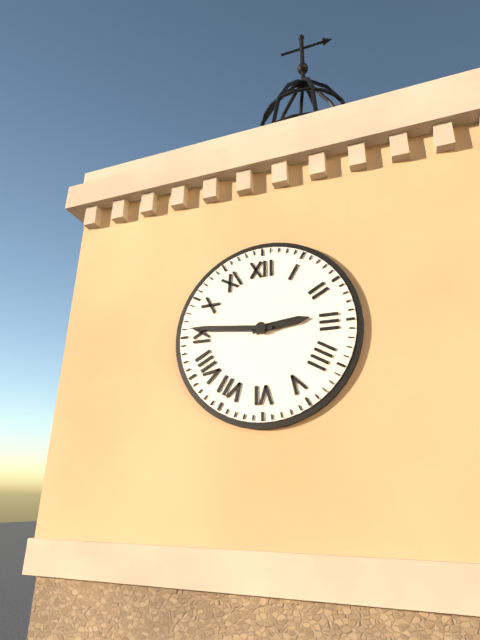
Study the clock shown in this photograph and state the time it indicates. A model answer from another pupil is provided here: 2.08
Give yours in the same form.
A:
2.46
